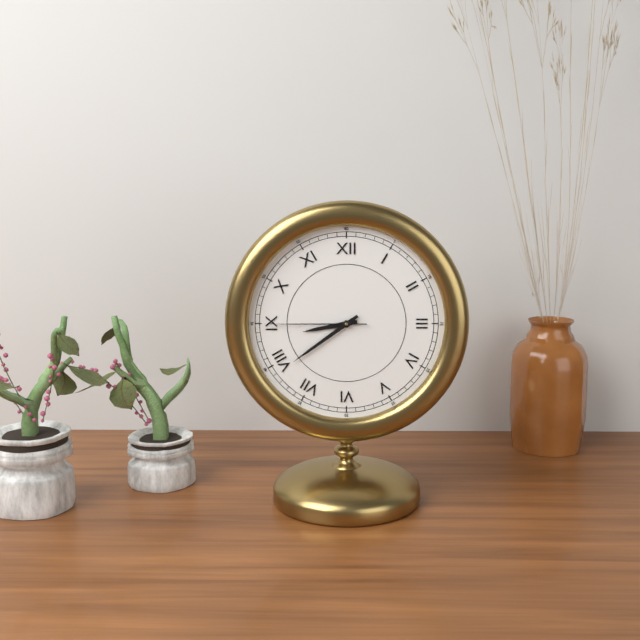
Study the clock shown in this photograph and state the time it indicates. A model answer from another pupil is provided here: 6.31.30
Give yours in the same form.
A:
8.39.45
